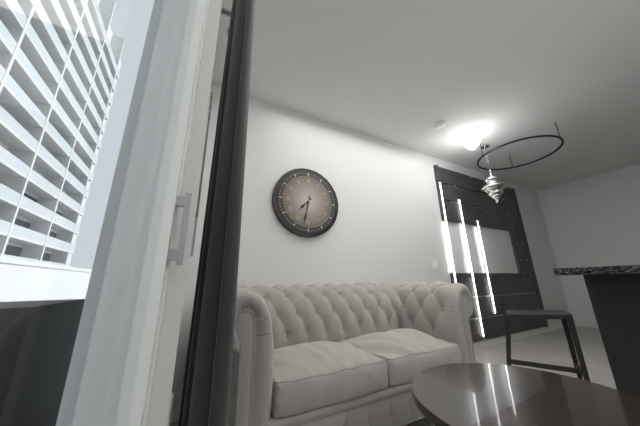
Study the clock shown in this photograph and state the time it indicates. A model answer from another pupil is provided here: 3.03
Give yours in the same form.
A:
7.32
